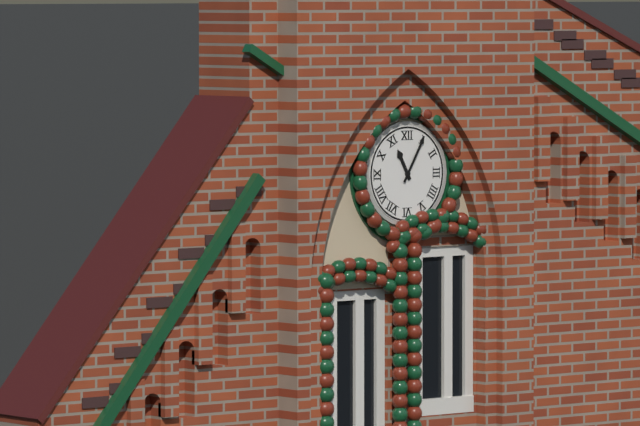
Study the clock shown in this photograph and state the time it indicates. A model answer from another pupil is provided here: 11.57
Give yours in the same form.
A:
11.05
